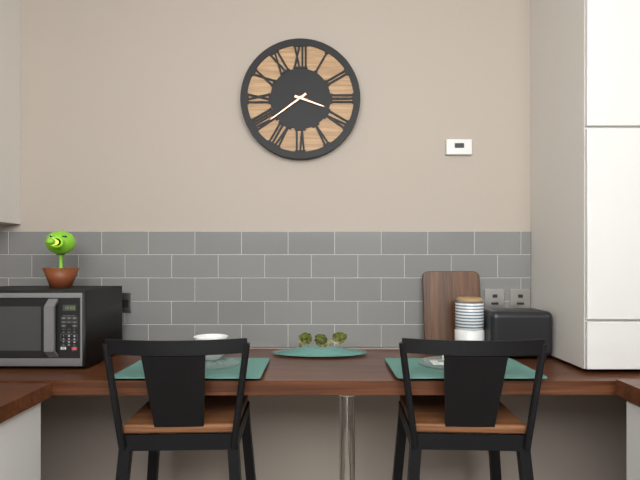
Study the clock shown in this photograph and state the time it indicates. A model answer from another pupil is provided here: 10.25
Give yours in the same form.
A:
3.39
